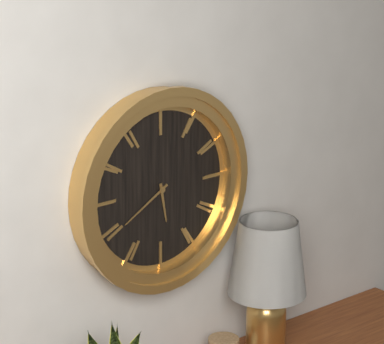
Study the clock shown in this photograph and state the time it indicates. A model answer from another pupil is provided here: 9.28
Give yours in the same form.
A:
5.40
